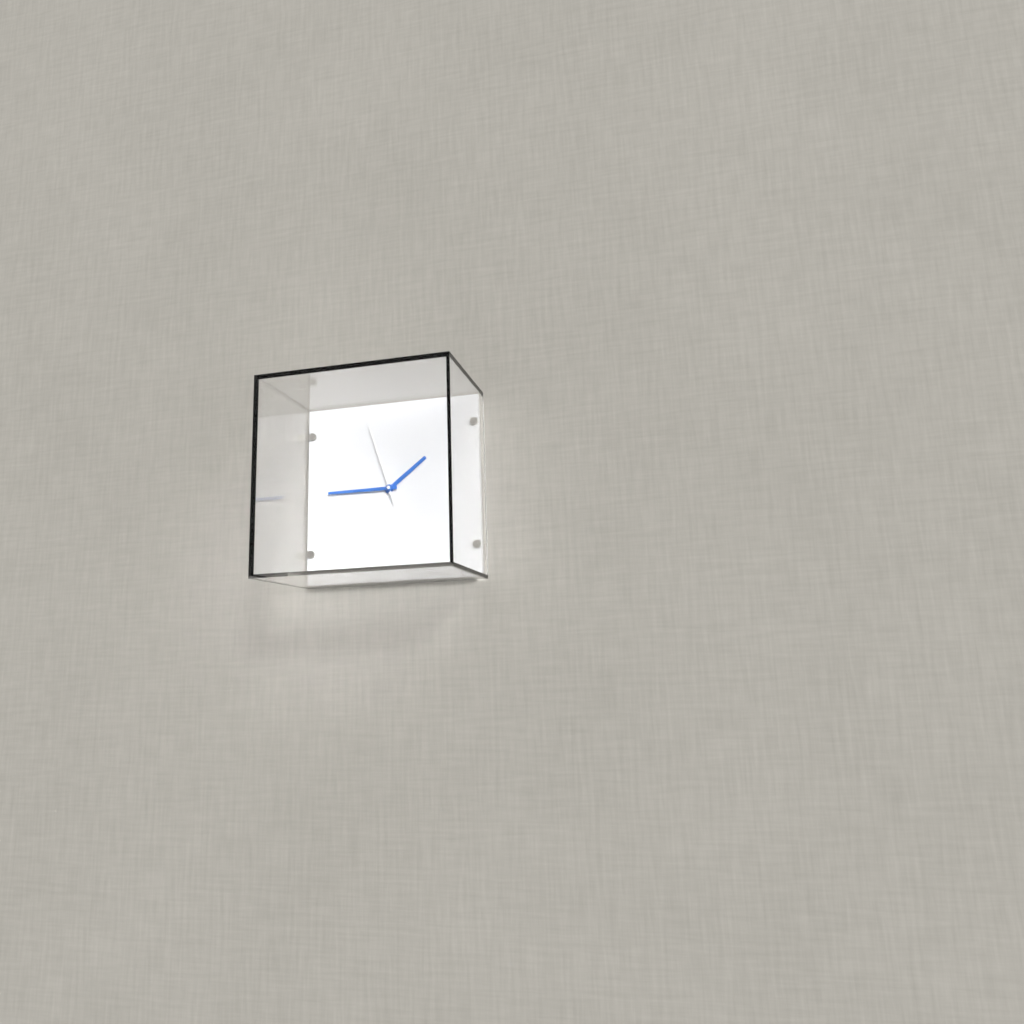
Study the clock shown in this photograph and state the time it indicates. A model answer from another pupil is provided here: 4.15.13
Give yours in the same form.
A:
1.45.57
